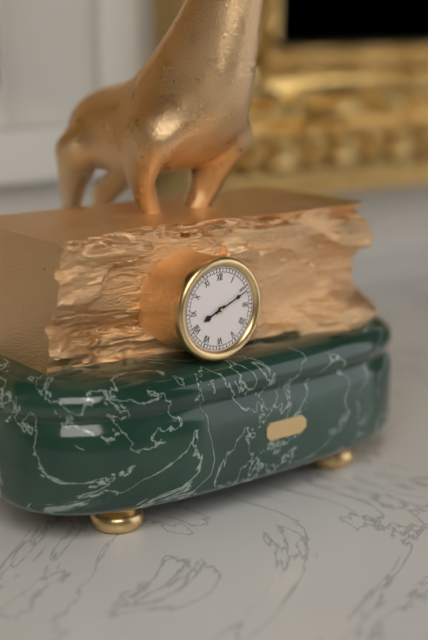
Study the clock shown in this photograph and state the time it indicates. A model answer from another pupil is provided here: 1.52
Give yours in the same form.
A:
8.11
